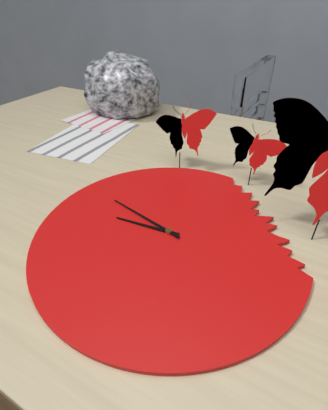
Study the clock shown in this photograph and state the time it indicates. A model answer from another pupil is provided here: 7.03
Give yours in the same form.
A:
8.47
